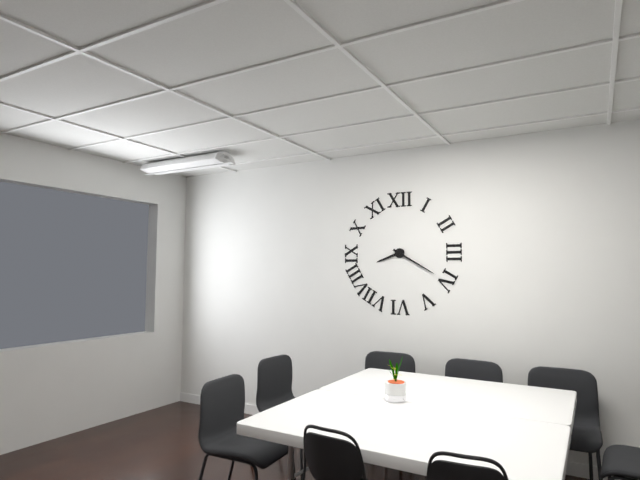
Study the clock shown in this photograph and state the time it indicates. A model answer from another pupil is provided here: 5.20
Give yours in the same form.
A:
8.20
